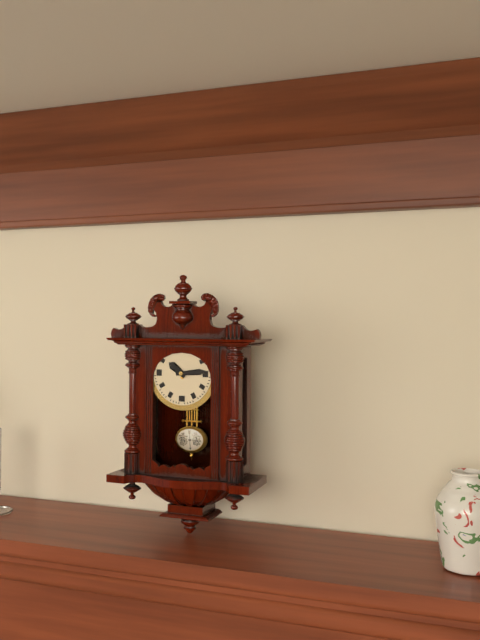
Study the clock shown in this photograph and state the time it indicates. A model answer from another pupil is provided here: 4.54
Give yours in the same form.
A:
10.14
